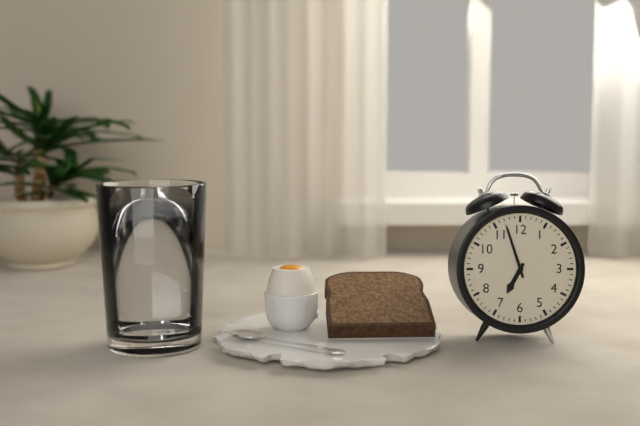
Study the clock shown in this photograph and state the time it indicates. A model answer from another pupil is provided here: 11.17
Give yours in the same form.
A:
6.57
